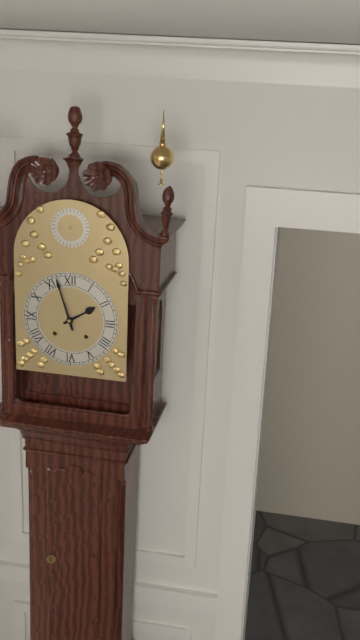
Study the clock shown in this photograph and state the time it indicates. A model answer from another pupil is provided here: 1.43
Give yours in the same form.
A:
1.57
